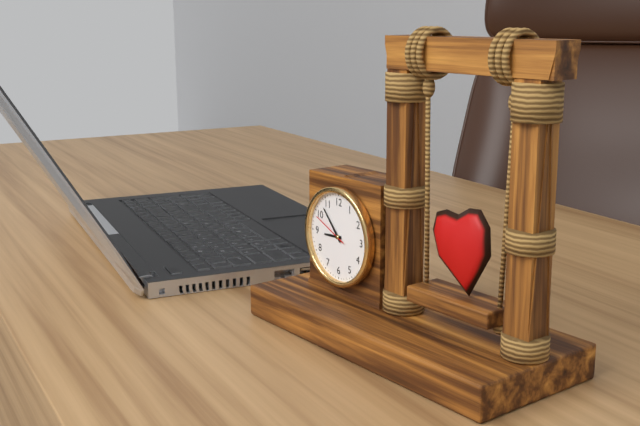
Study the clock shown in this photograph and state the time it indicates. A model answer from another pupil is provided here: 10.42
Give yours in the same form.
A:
8.53
